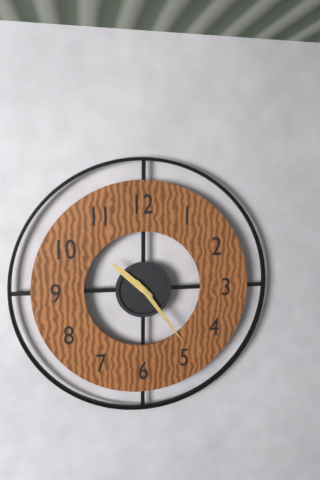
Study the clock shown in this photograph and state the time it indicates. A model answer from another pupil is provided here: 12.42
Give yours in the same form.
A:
10.24
